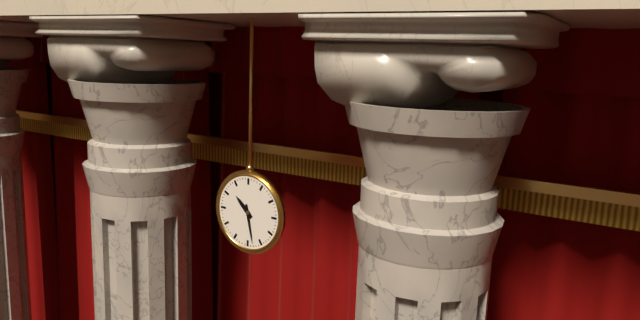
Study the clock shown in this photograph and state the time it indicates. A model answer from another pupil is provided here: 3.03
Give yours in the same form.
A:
10.28
